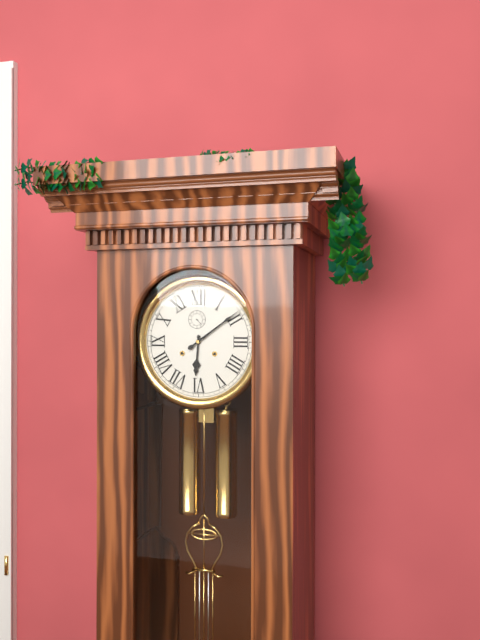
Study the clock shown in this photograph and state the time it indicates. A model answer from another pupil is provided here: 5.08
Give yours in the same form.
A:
6.09
